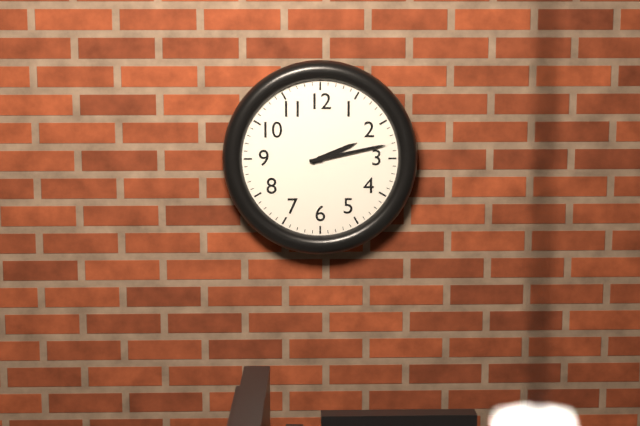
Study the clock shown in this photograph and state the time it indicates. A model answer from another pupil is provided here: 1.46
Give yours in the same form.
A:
2.13
